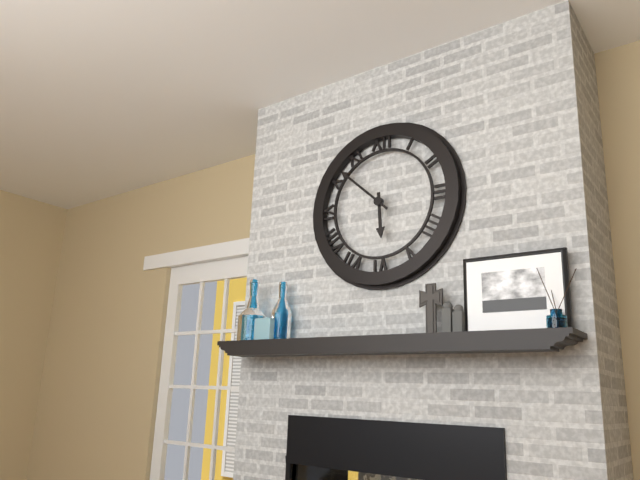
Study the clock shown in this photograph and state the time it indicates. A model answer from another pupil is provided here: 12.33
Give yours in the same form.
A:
5.52
